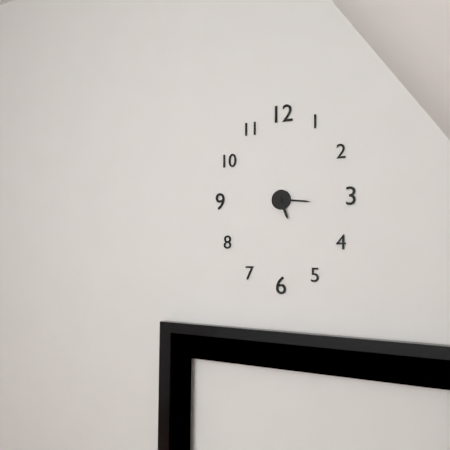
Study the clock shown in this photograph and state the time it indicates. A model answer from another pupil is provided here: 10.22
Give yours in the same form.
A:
5.16
